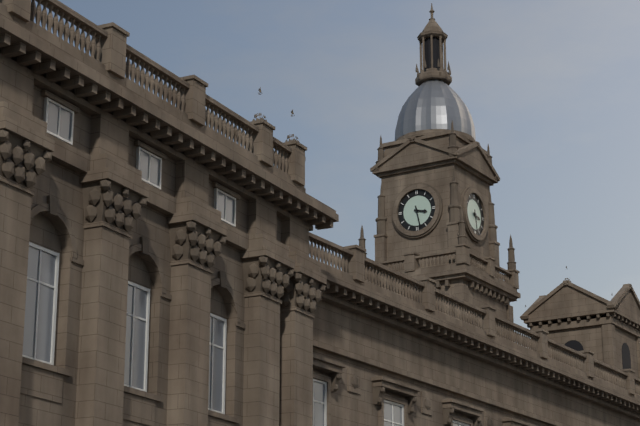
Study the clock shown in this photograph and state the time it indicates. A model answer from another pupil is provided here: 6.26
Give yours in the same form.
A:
3.28
